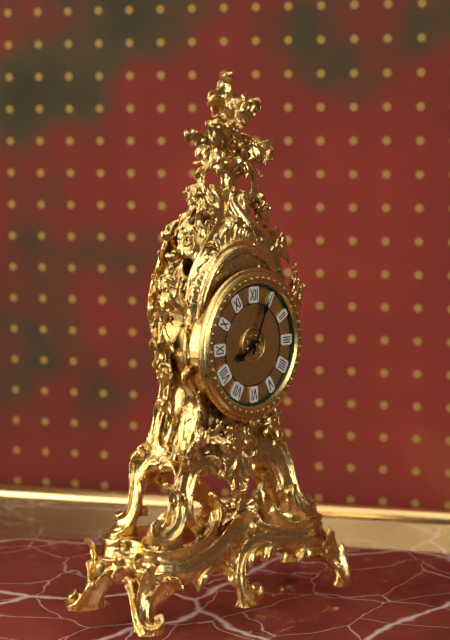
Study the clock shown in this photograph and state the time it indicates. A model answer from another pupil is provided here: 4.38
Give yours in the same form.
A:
8.04
